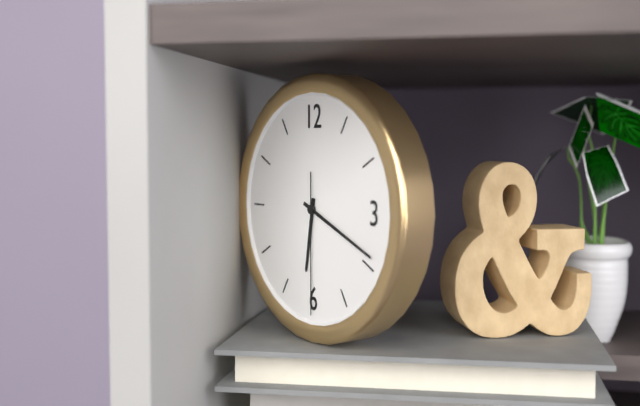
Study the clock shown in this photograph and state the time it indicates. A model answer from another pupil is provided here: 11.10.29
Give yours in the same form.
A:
6.19.30
